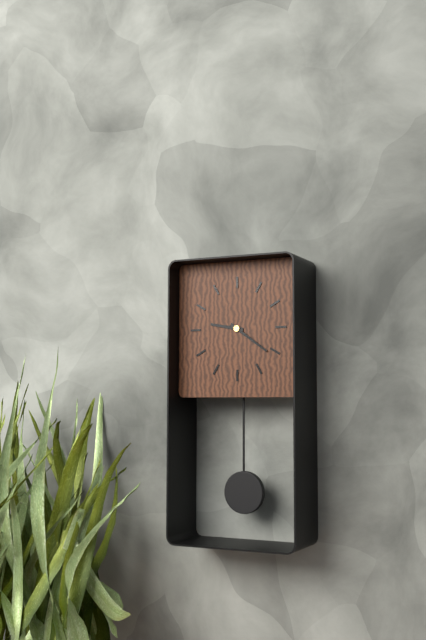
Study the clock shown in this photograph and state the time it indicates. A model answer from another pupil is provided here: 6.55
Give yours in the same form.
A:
9.21
